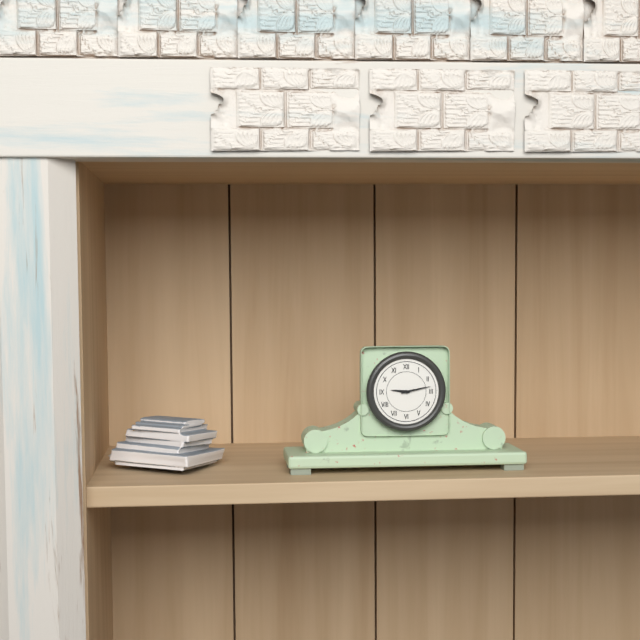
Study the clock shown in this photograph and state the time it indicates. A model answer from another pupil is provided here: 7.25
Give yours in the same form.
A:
9.13
